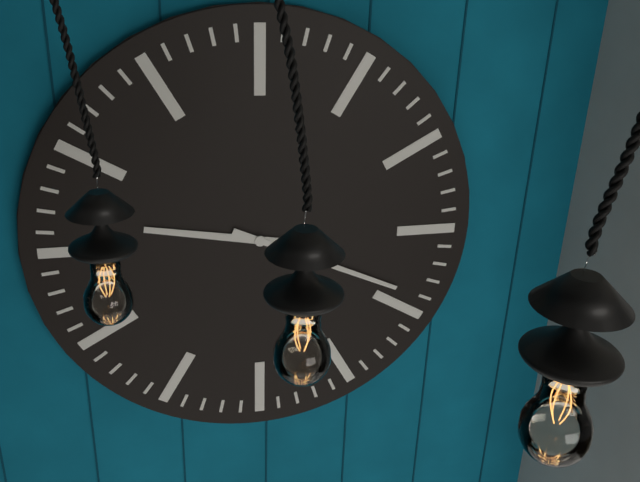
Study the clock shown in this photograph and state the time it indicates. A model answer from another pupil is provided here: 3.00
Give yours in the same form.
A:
9.19
